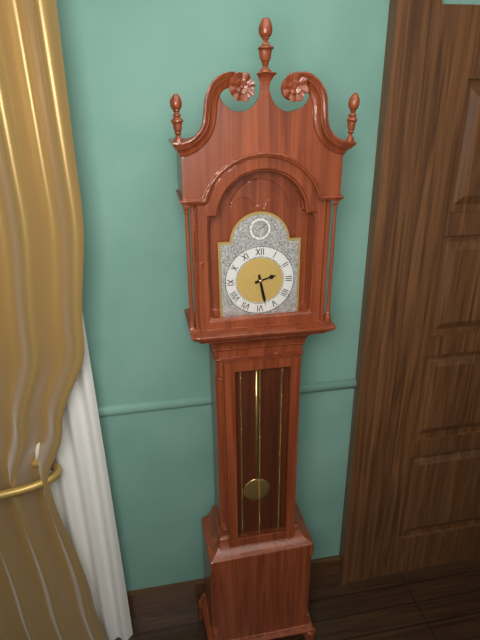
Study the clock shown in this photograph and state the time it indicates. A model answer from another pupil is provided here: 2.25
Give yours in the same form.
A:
2.28
